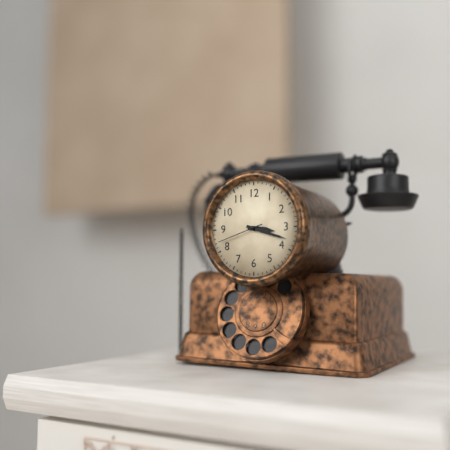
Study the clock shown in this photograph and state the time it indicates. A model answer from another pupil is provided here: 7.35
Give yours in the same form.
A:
3.18
